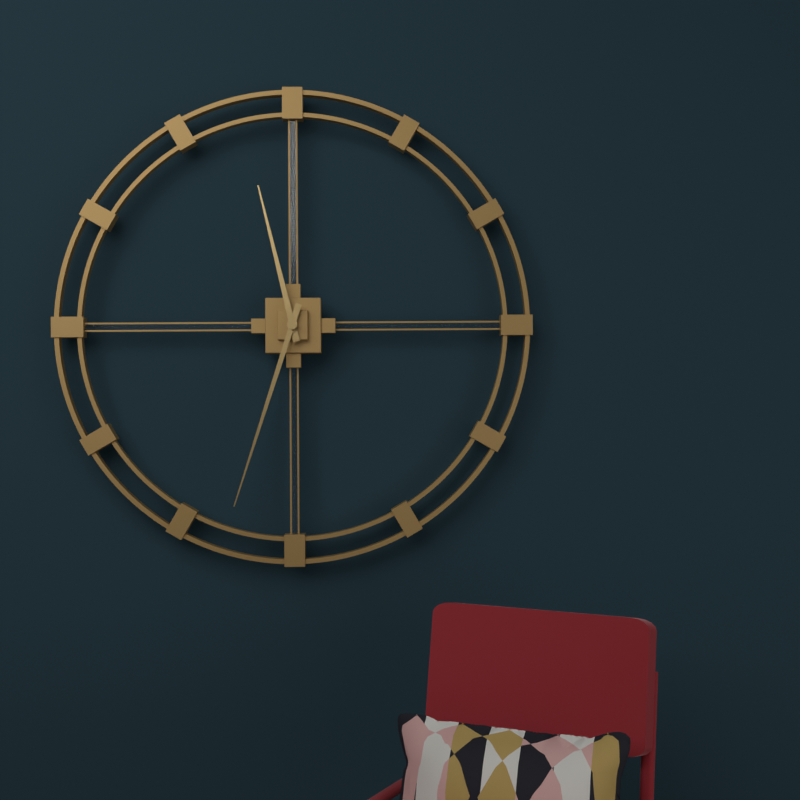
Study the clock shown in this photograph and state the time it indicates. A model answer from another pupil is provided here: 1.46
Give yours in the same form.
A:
11.33
